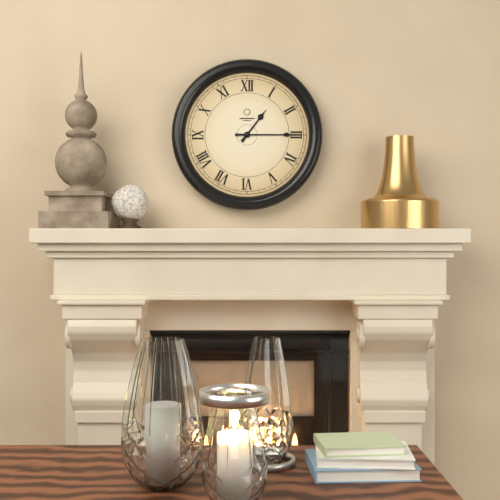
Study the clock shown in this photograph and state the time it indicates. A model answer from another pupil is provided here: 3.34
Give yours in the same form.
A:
1.15
